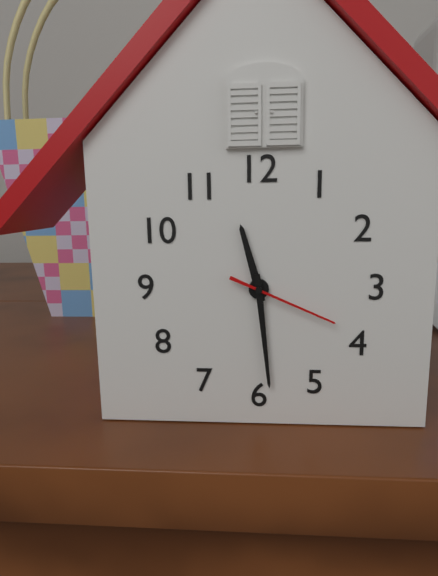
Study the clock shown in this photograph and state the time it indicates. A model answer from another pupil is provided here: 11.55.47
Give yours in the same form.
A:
11.29.19
